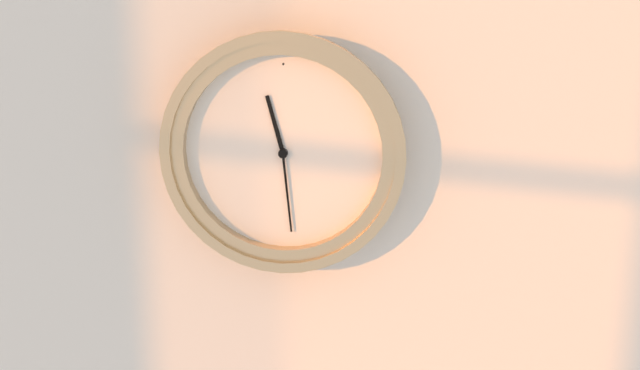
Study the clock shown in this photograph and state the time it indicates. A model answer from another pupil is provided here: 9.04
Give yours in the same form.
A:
11.29
